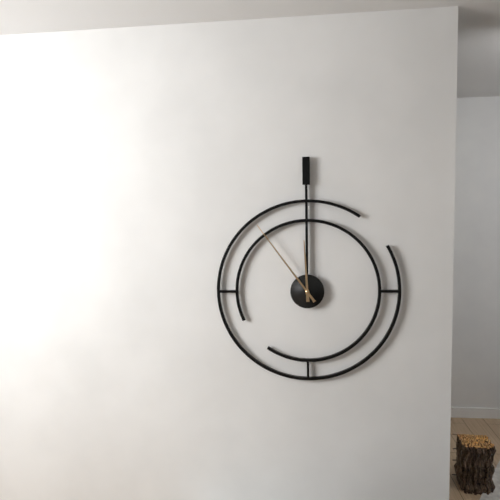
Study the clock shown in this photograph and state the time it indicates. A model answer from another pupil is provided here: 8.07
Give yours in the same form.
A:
11.54
